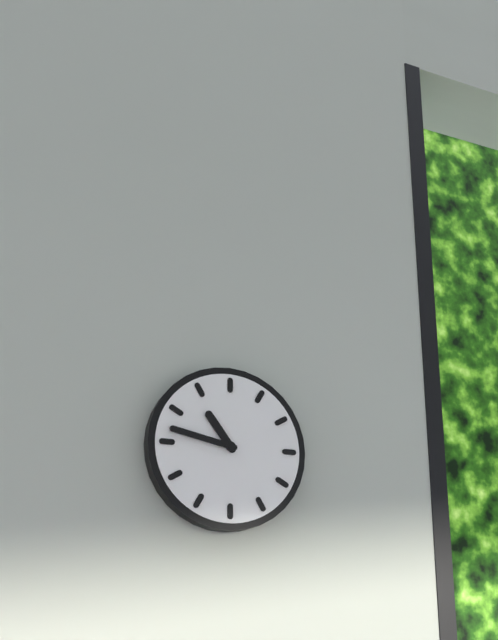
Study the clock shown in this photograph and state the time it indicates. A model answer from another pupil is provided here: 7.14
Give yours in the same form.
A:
10.47
